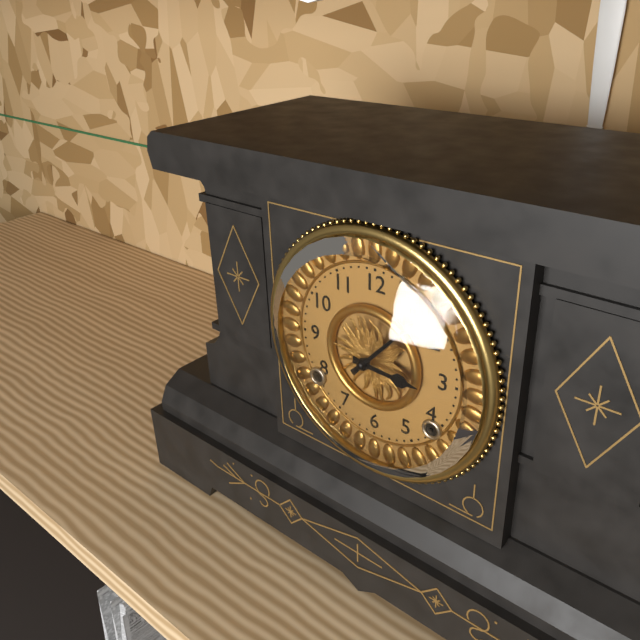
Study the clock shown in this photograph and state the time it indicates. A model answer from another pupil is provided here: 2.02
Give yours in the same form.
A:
3.07
